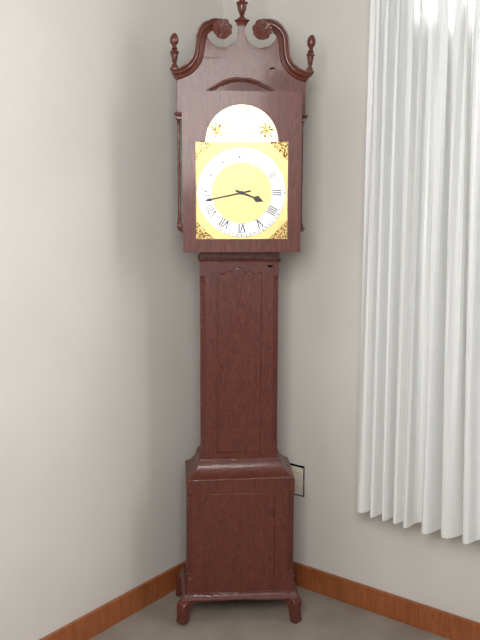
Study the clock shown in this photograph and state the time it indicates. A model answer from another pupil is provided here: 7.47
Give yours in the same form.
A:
3.43
